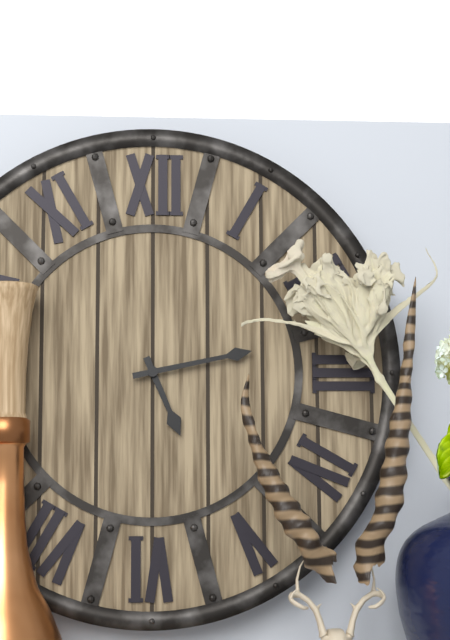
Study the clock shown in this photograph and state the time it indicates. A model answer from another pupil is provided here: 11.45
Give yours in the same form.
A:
5.13
